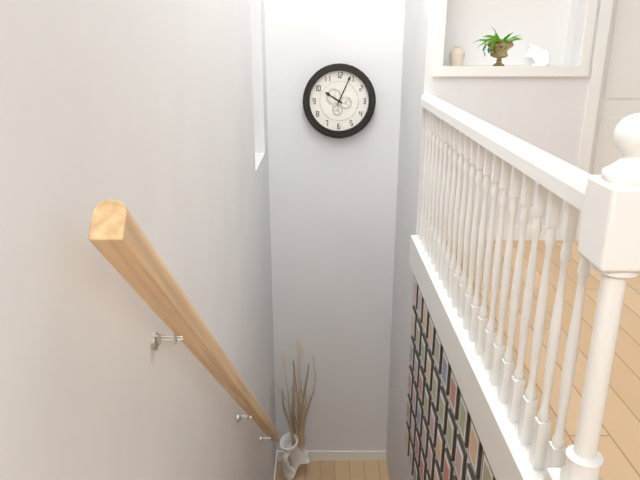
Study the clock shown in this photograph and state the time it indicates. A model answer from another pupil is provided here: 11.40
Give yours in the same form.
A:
10.04
